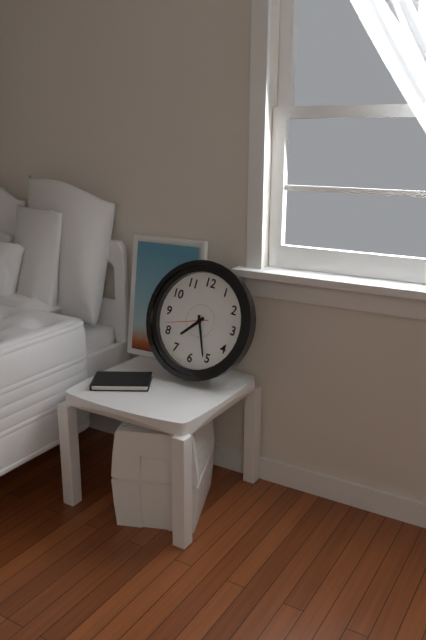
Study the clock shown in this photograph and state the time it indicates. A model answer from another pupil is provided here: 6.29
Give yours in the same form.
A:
7.26
